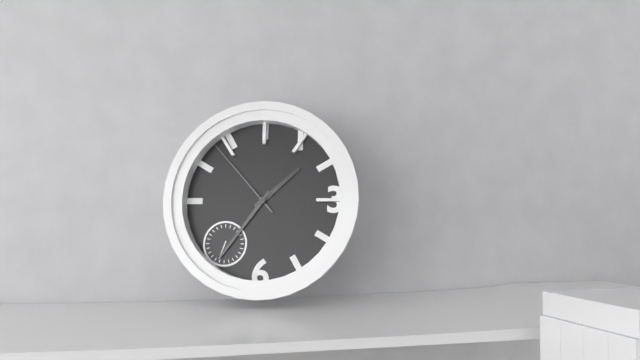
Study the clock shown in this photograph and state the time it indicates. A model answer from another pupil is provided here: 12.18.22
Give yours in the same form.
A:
1.36.53
